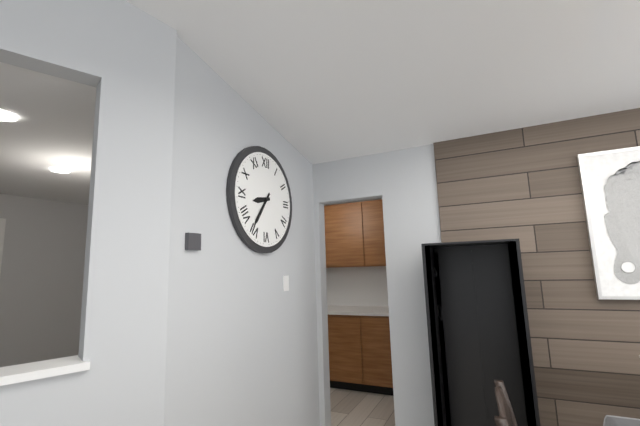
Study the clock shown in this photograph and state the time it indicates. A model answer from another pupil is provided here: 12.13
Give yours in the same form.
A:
8.36
